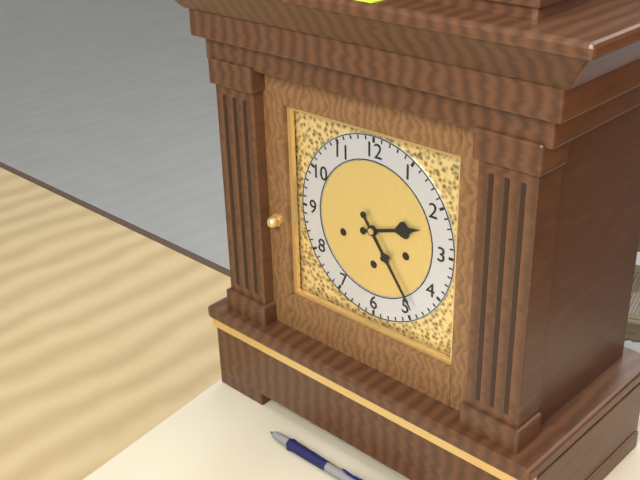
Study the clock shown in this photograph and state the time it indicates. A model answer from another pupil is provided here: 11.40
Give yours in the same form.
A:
2.24
